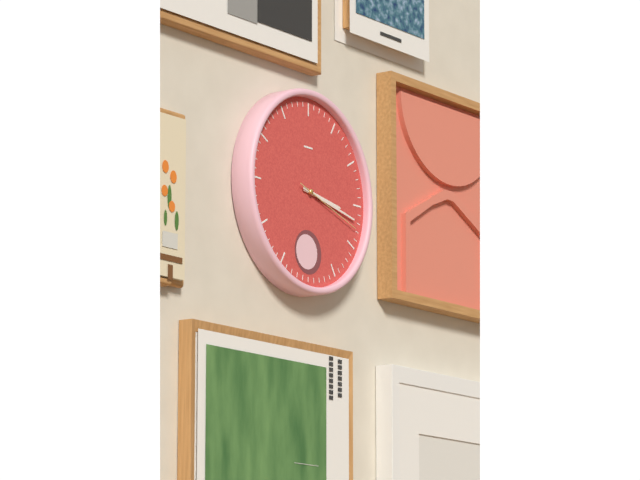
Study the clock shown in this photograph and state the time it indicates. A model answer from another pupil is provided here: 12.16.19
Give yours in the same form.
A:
3.17.18
